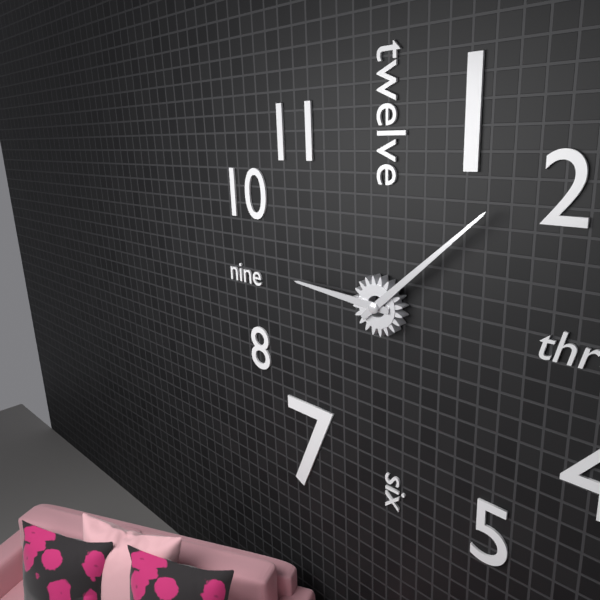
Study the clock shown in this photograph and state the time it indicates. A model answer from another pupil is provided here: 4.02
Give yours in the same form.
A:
9.08
